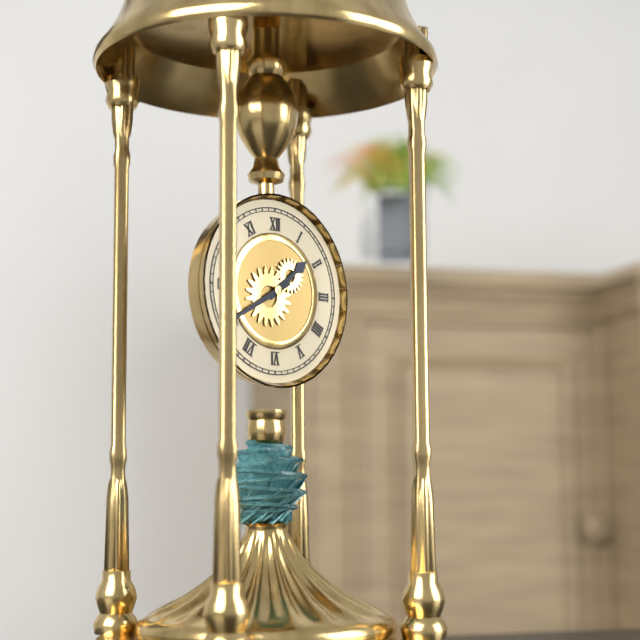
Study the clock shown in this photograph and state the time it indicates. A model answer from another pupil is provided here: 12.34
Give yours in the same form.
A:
1.40
